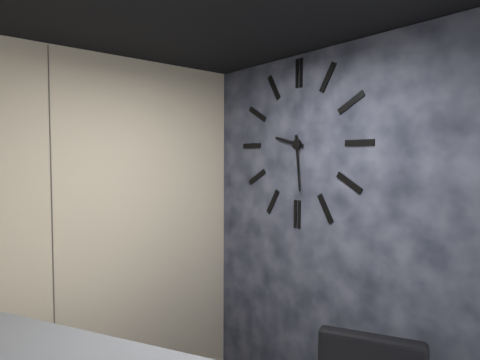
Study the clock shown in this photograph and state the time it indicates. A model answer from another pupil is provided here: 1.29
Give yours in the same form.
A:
9.29
